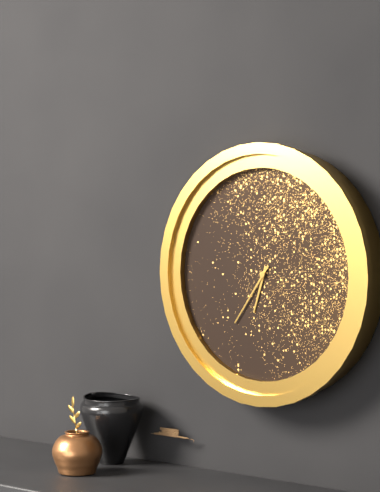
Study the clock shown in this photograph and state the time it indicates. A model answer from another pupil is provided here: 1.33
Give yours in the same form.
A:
6.36
